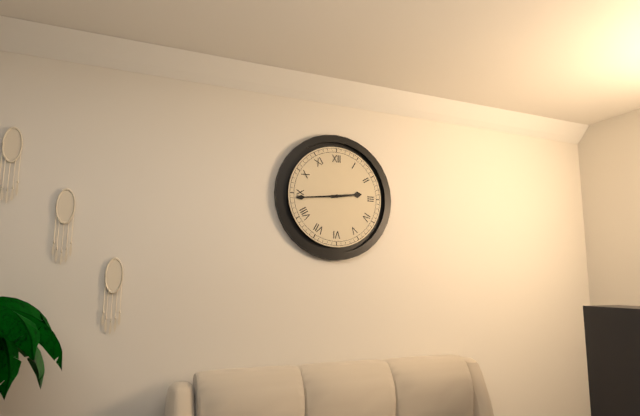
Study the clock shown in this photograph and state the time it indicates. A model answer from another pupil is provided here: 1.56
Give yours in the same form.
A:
2.44
